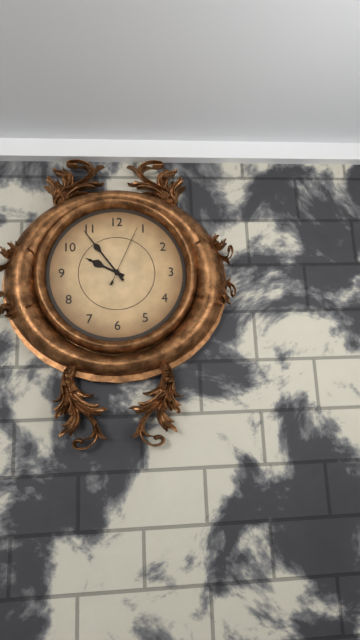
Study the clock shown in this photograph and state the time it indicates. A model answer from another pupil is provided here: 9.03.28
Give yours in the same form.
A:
9.54.04
